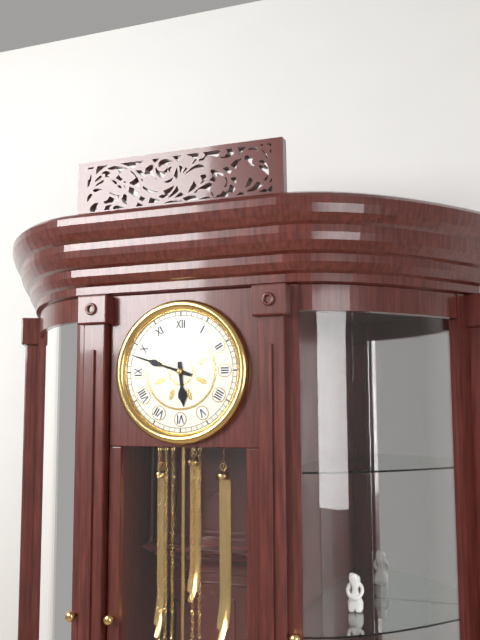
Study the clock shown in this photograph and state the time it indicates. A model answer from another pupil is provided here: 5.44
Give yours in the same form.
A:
5.48
